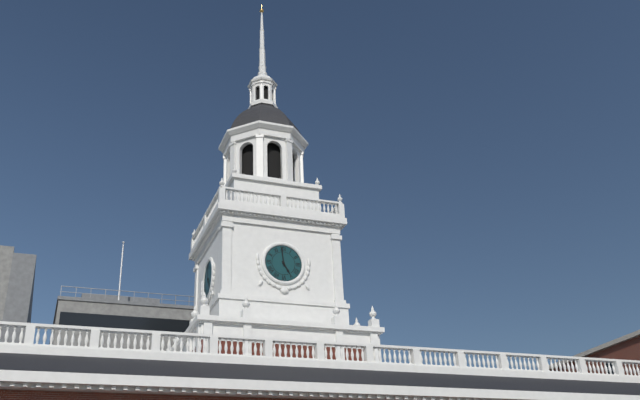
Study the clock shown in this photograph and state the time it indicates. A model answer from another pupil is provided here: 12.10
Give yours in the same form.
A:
4.59
